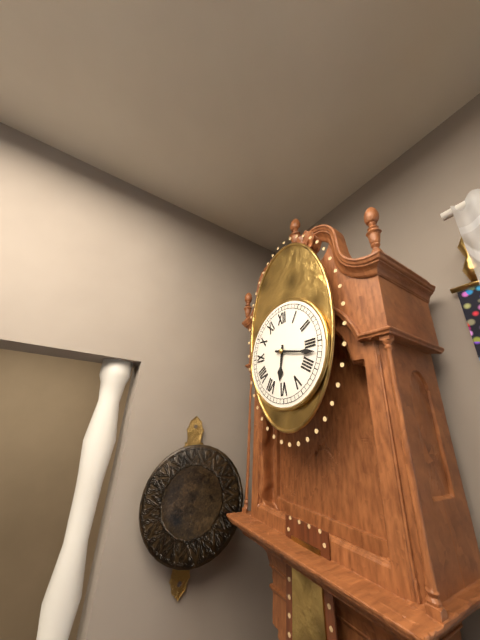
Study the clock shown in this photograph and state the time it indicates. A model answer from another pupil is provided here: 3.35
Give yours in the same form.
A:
6.17
